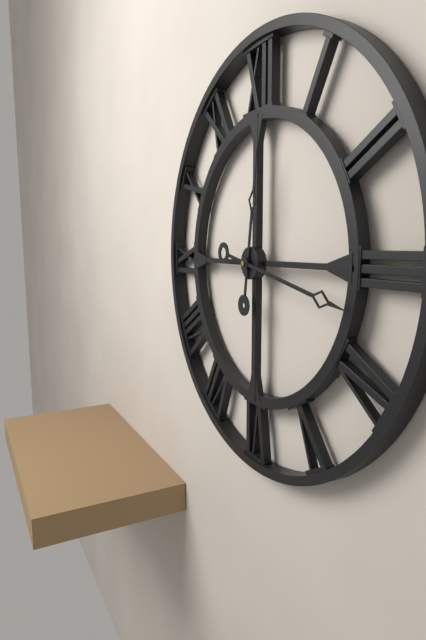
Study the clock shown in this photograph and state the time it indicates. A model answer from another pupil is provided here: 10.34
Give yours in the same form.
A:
12.17
